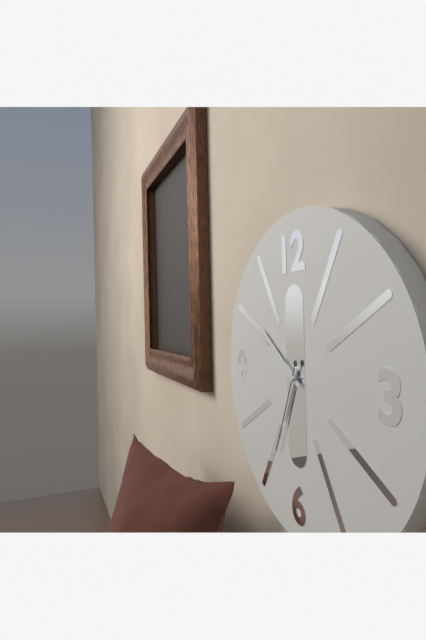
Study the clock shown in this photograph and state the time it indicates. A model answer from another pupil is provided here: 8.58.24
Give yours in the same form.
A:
6.51.34
